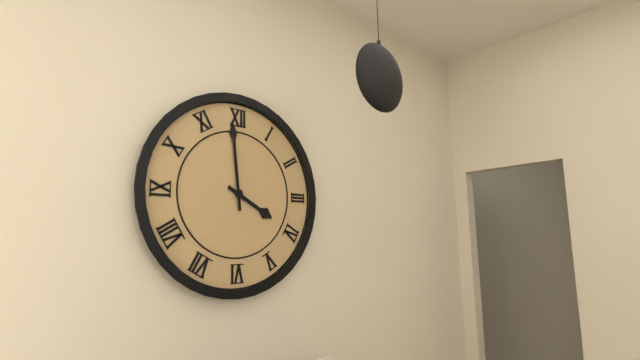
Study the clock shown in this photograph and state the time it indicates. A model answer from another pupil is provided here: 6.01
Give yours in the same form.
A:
3.59
